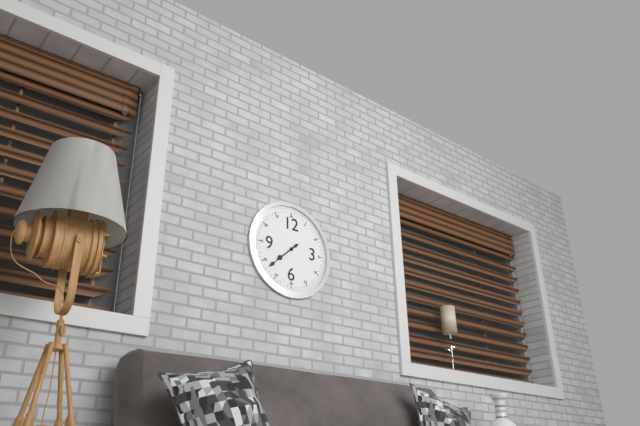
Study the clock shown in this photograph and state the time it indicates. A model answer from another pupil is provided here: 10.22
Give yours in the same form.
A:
7.38
